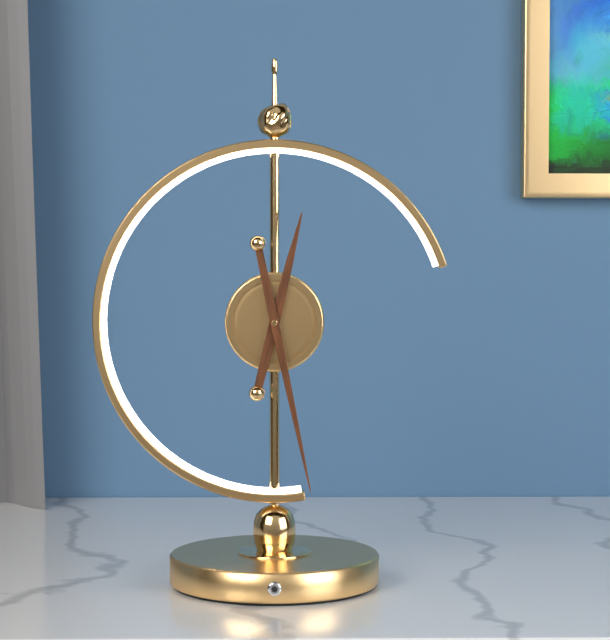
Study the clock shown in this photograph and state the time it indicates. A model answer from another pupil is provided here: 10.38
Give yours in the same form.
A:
12.28
